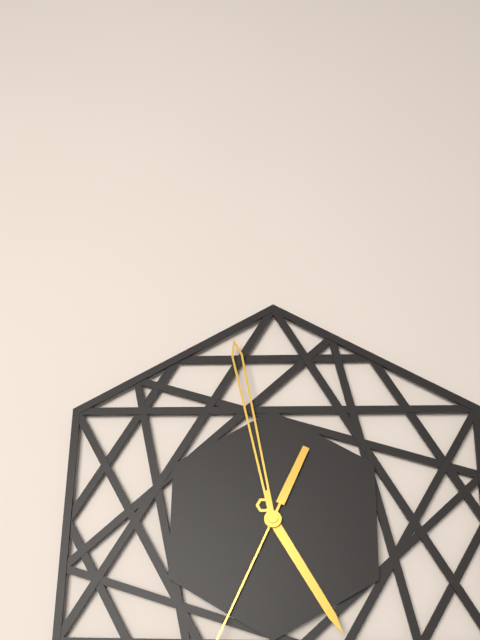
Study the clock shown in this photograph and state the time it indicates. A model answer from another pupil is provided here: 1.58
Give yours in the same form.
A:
4.58
